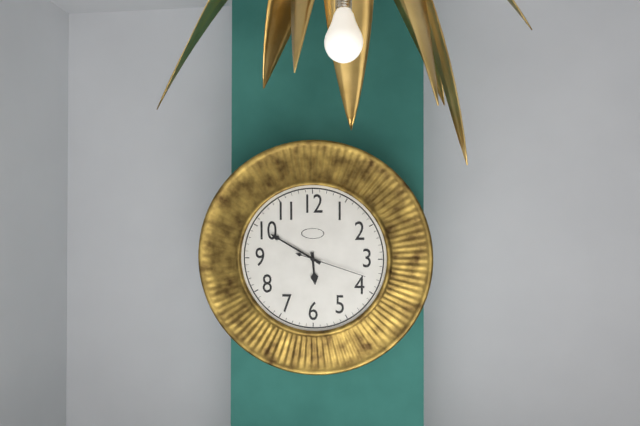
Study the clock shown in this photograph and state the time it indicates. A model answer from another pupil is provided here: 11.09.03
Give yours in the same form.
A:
5.50.18
